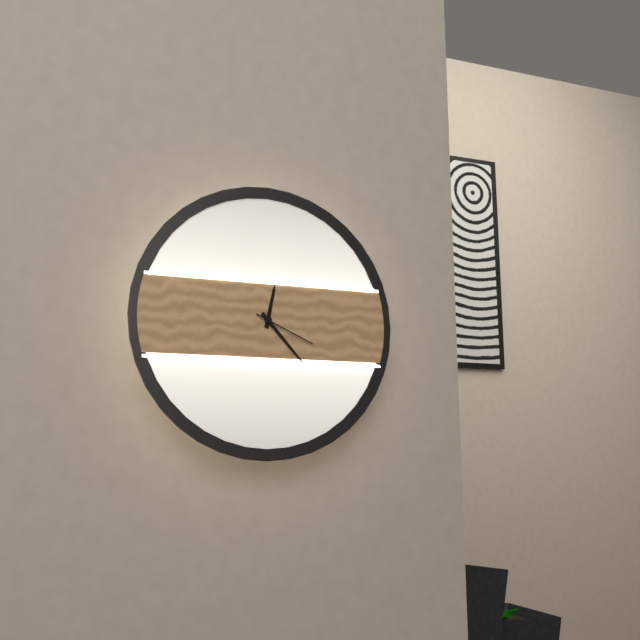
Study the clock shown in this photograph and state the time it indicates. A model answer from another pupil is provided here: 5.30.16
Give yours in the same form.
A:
12.23.19
